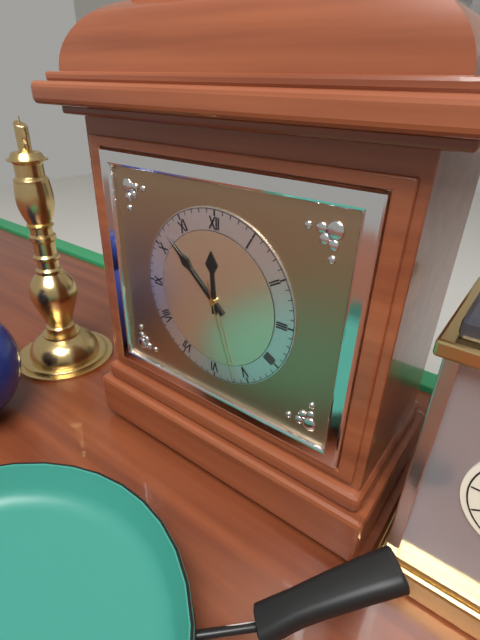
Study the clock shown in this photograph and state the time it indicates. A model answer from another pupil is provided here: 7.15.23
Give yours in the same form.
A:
11.52.27
